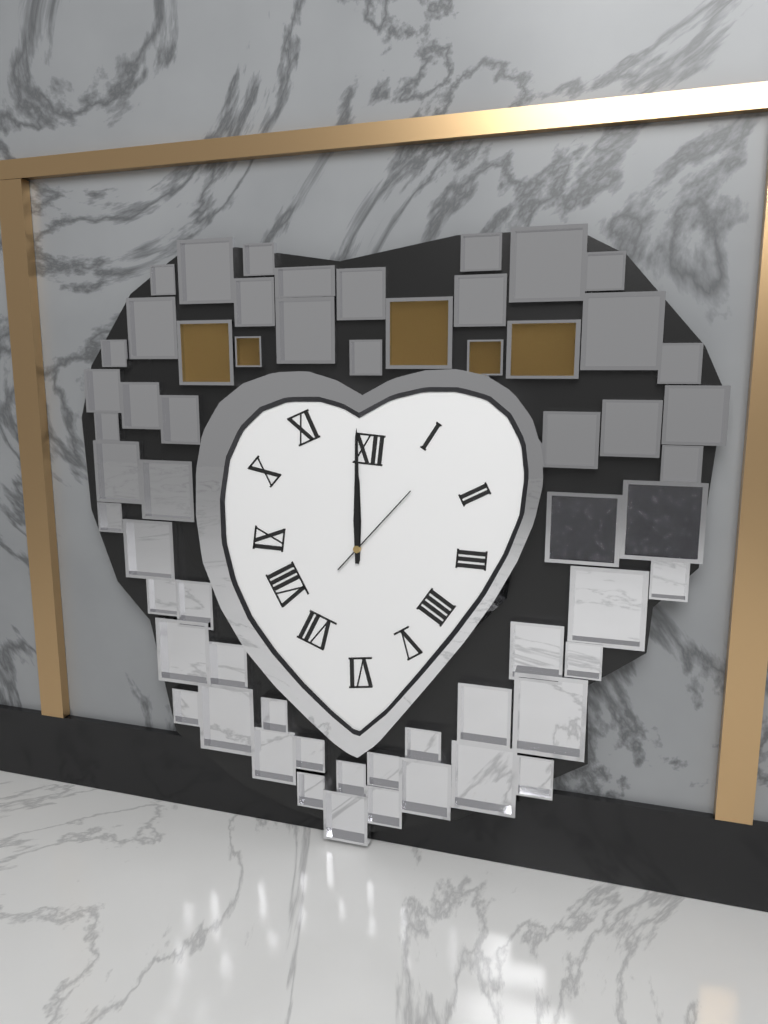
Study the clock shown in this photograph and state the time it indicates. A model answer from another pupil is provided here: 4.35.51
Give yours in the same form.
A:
12.00.07
